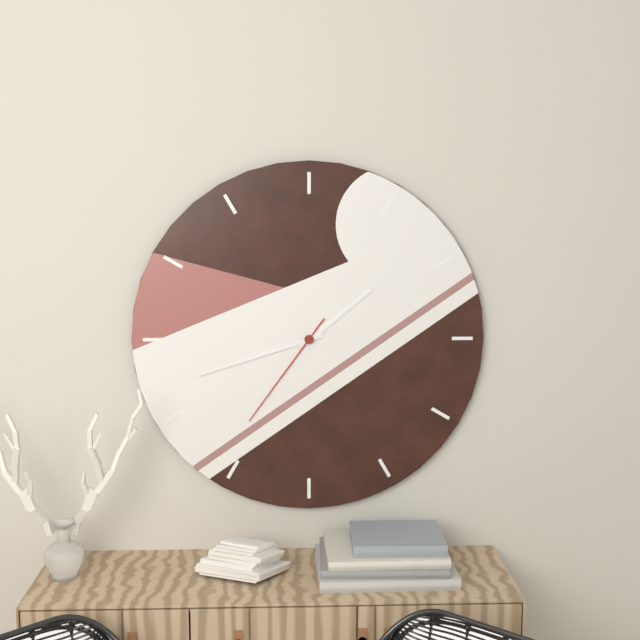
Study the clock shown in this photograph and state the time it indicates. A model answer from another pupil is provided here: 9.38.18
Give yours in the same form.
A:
1.42.36
